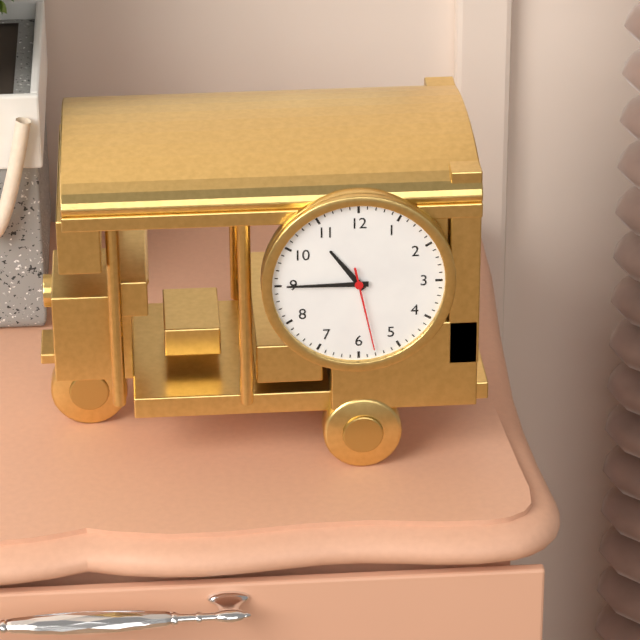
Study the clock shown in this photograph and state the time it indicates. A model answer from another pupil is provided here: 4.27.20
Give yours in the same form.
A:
10.45.28
